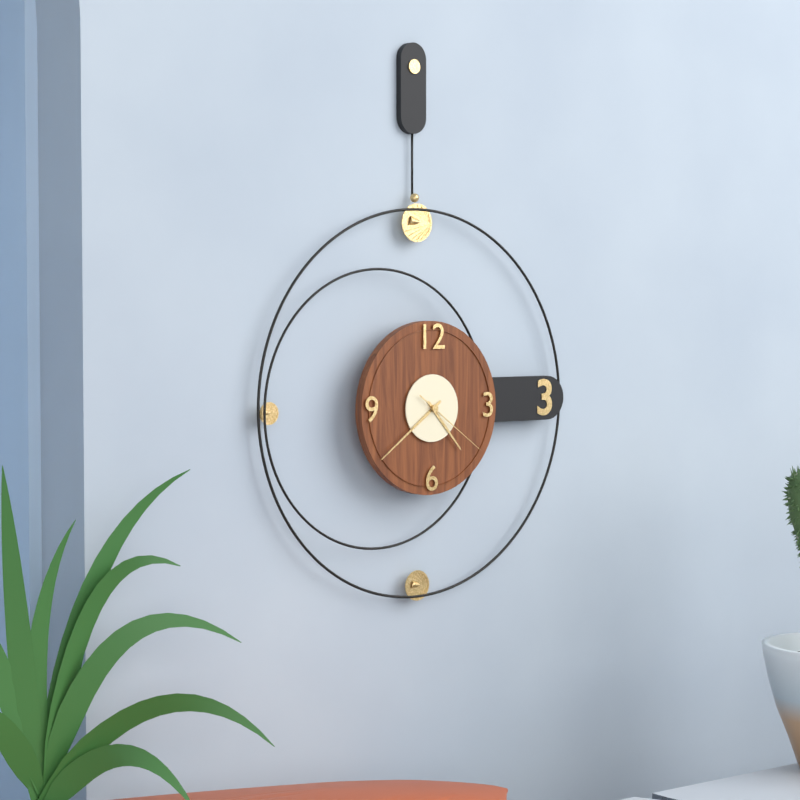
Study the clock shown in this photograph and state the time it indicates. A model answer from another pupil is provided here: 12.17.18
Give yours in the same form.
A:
4.39.21
